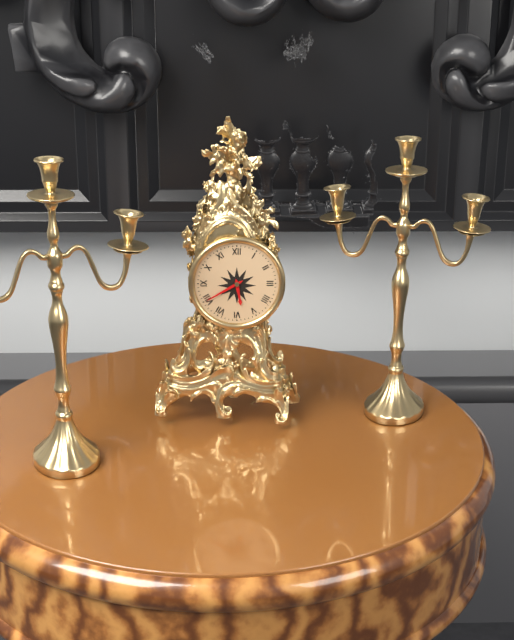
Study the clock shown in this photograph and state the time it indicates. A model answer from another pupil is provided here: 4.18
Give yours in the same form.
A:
5.40
